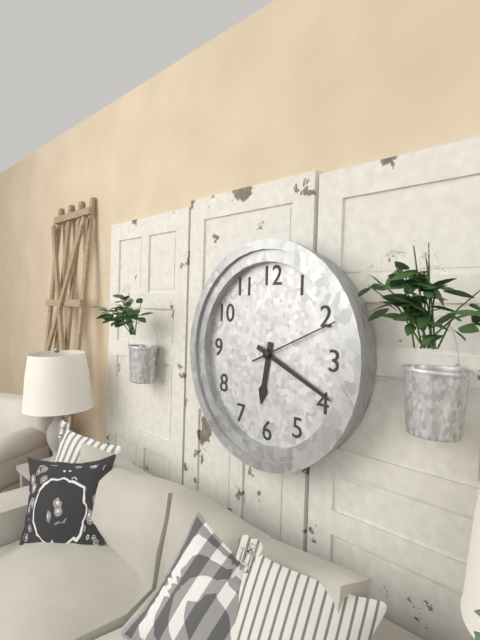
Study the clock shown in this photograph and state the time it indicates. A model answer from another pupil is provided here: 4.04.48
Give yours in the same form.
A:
6.19.11
